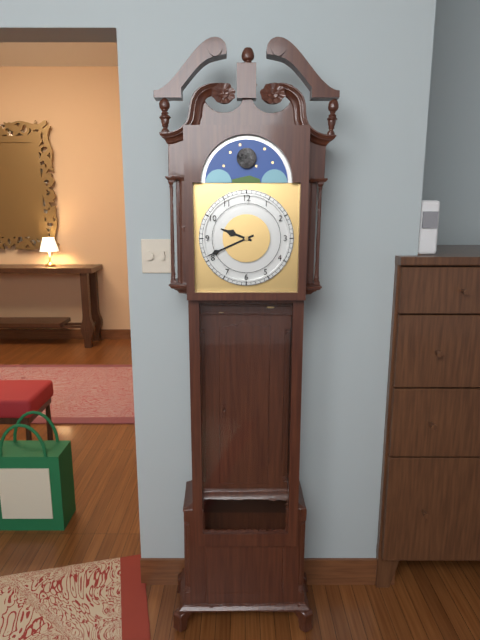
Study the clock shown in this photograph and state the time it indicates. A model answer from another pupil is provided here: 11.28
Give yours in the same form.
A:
9.41
